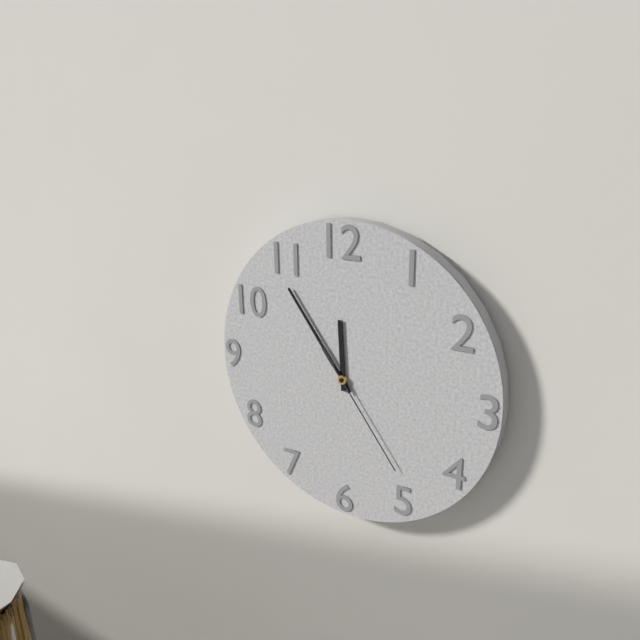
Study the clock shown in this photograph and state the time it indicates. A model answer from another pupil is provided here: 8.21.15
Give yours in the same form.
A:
11.54.24
